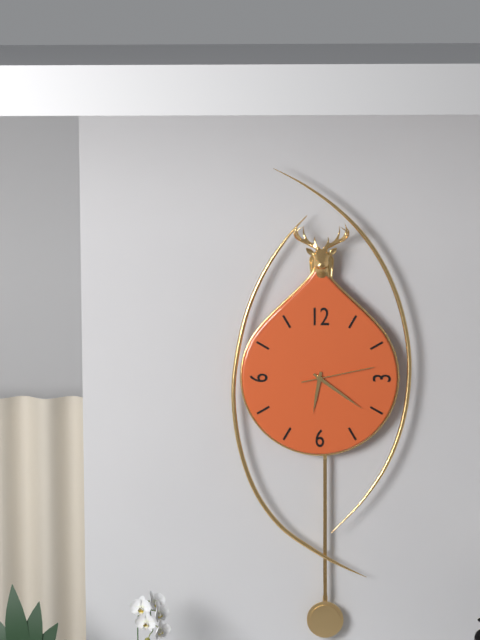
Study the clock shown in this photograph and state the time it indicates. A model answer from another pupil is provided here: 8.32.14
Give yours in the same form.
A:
6.21.13
